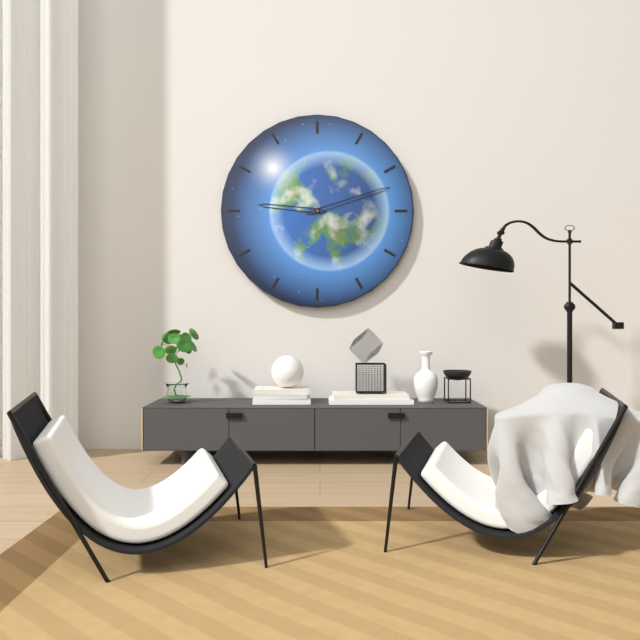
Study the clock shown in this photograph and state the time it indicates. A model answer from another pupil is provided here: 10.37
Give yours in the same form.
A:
9.12
